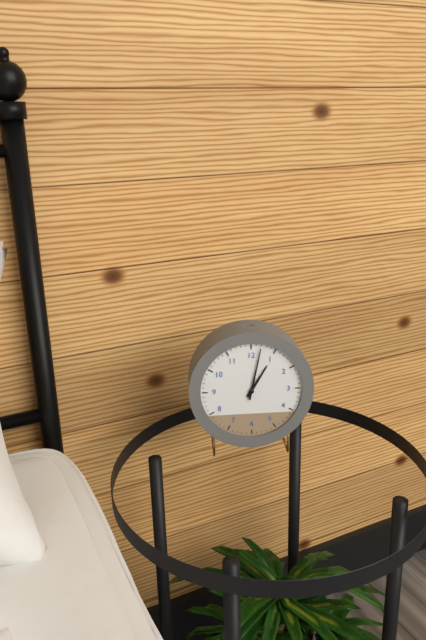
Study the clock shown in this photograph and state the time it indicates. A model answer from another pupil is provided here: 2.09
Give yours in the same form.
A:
1.02
